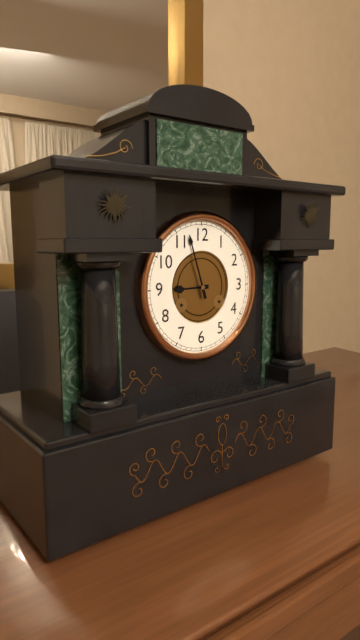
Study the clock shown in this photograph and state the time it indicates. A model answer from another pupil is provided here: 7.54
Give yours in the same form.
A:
8.57
